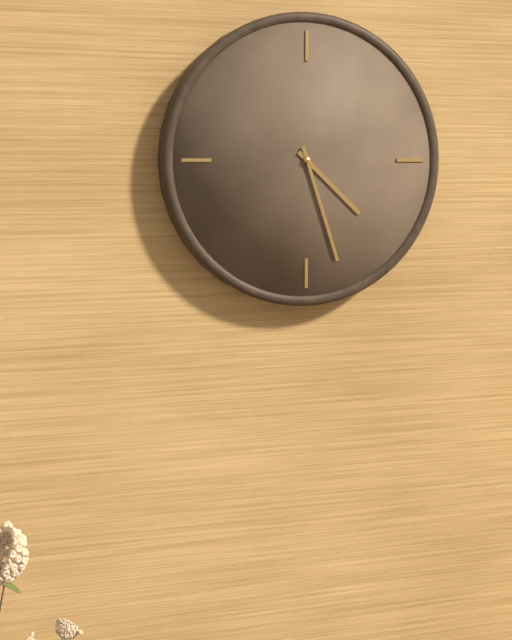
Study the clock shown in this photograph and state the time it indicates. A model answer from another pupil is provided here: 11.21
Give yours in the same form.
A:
4.27
